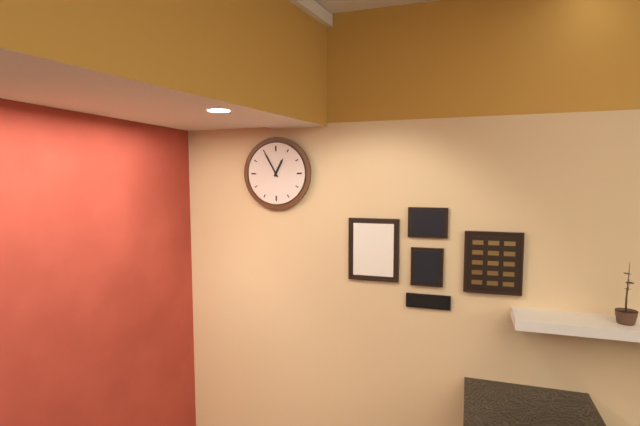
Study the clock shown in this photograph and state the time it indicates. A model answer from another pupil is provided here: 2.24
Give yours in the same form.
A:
12.55
